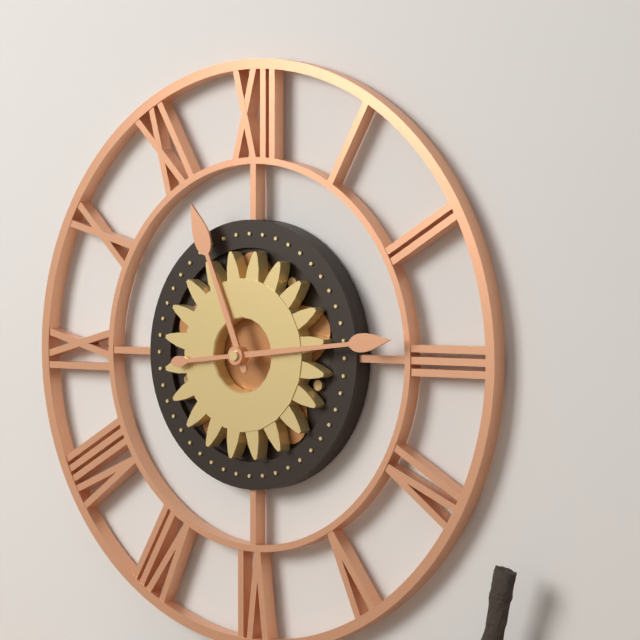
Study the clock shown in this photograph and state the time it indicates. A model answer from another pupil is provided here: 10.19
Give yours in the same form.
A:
11.14
